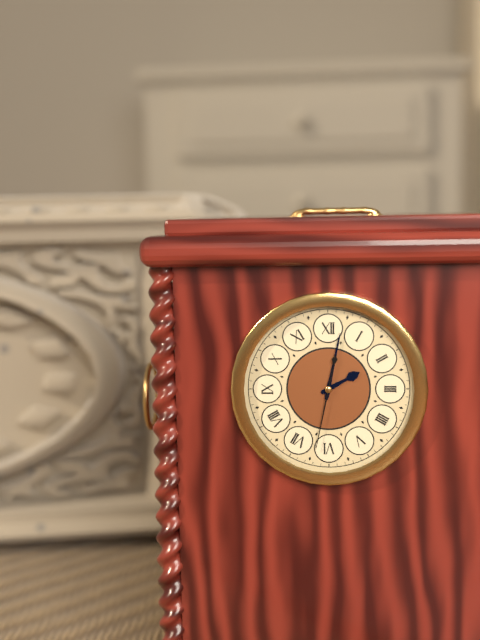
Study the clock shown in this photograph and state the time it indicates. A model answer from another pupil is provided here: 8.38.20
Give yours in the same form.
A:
2.02.32
